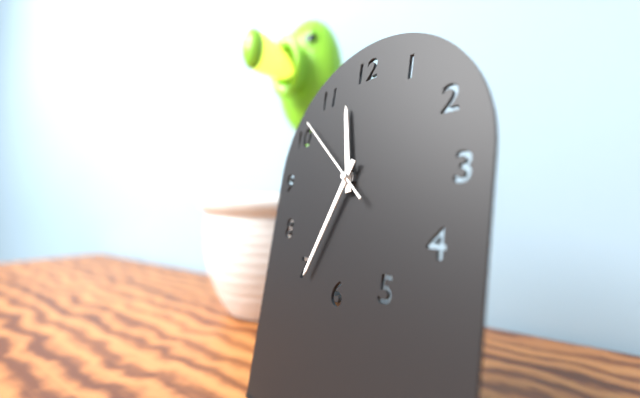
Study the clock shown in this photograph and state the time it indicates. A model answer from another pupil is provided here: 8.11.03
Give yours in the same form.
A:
11.34.52
